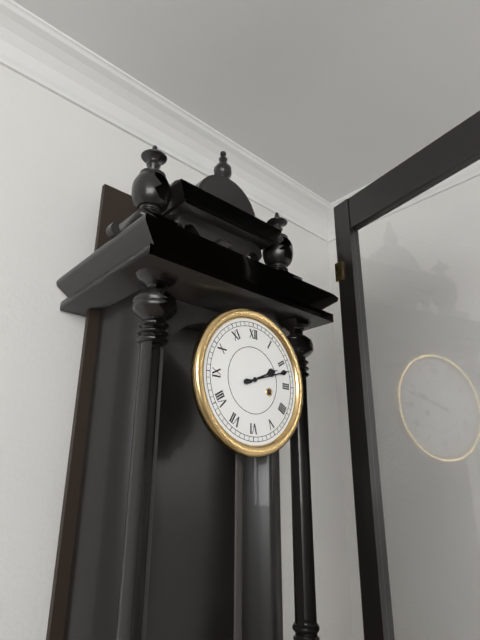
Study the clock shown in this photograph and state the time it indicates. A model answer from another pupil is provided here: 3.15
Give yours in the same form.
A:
2.12
